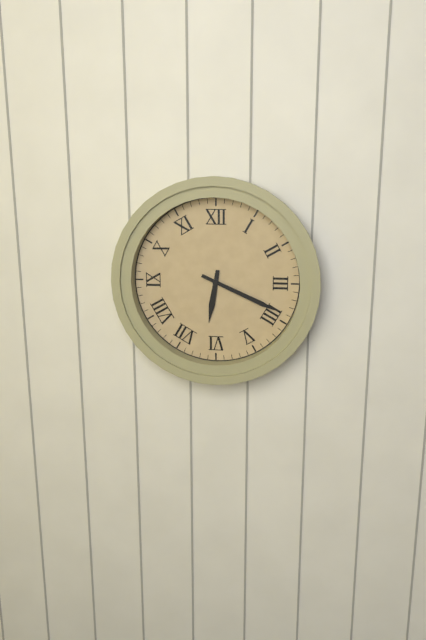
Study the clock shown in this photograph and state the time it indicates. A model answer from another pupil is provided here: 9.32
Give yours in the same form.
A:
6.19
